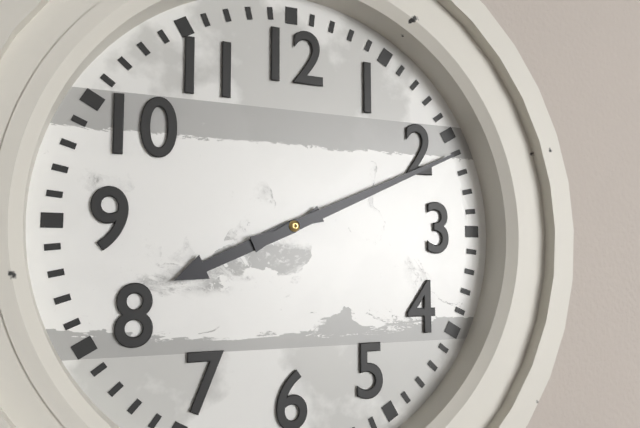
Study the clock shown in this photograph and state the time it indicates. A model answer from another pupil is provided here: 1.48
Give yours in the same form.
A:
8.11
